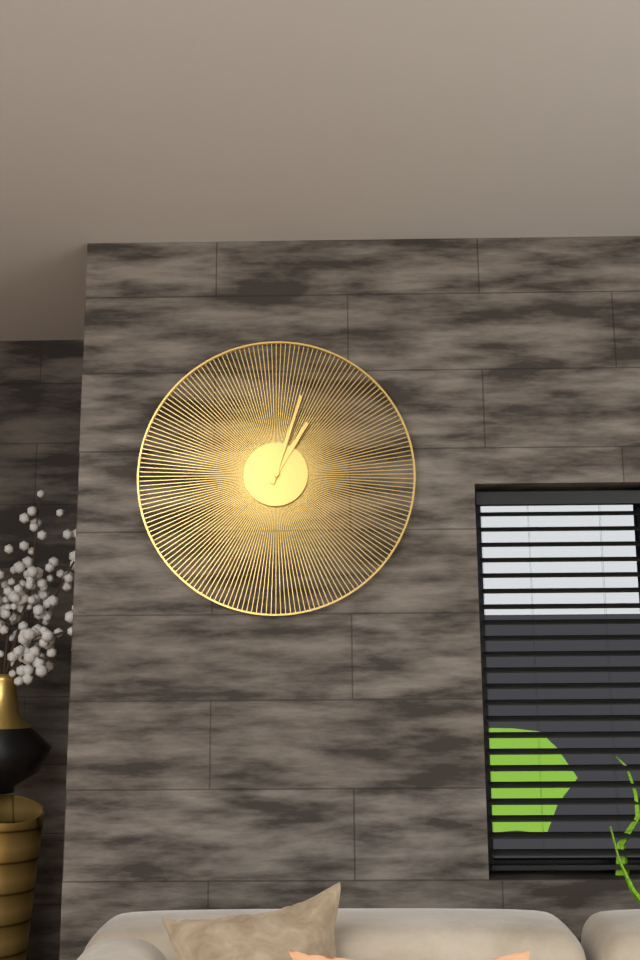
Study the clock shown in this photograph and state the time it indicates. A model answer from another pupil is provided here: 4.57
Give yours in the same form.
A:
1.03
